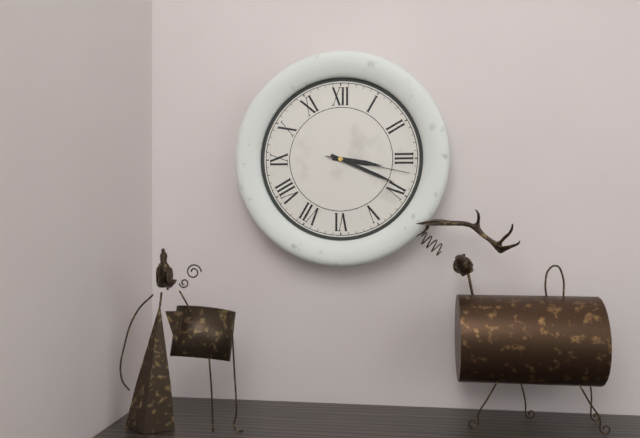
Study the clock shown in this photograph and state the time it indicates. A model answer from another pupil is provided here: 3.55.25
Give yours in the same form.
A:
3.19.17
